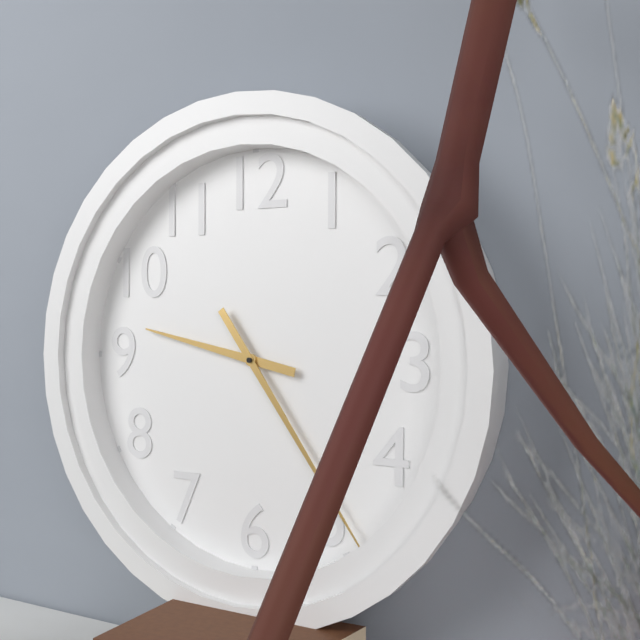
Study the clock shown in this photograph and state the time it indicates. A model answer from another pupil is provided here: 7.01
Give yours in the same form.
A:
9.24
